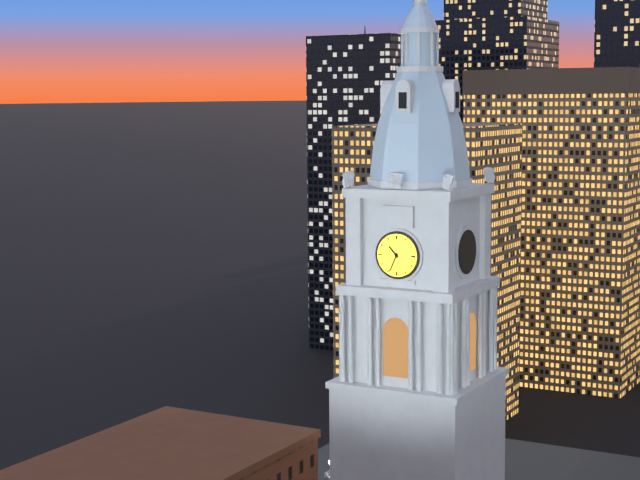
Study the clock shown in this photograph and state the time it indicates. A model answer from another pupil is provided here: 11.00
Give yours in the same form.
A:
10.34
